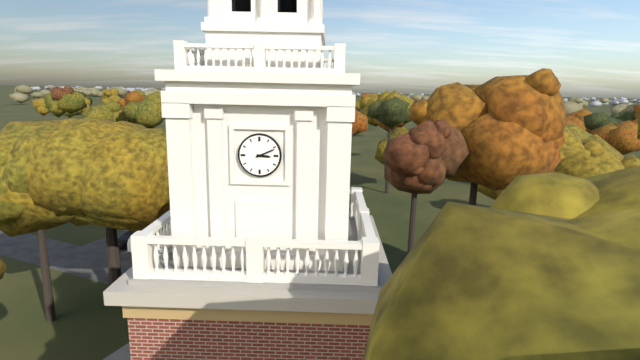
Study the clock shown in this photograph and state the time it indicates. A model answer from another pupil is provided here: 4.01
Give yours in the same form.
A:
3.11
